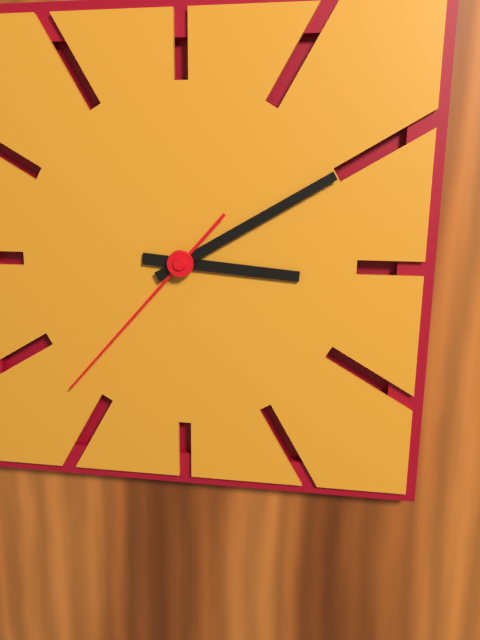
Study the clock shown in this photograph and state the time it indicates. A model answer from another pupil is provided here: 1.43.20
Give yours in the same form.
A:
3.10.37
